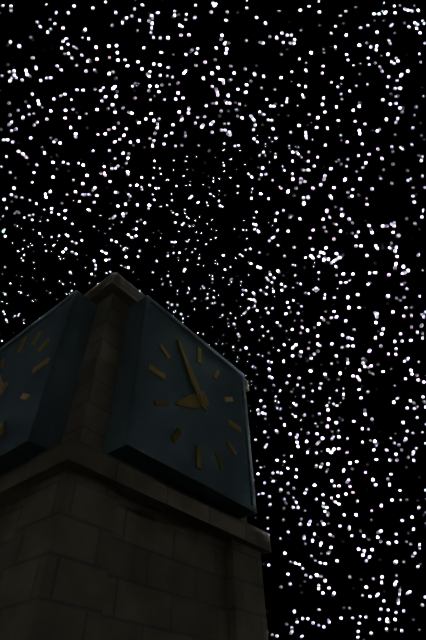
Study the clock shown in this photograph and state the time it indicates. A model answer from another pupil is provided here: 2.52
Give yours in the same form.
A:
7.54
